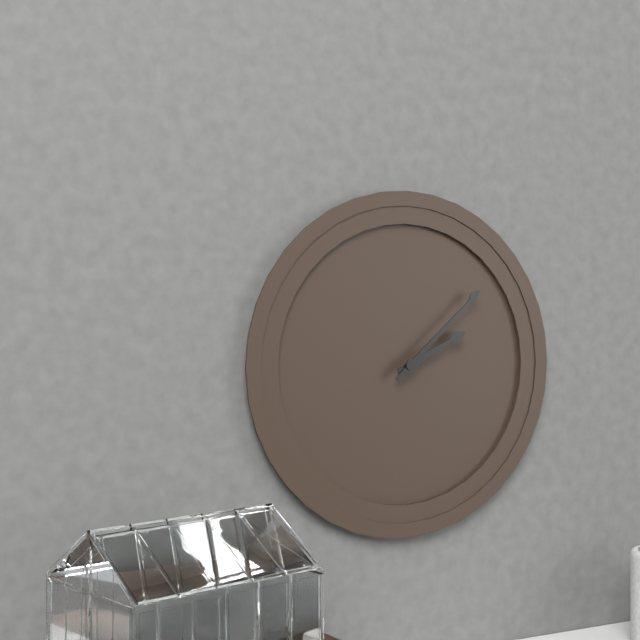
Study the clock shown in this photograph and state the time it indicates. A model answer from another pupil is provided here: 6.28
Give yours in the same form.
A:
2.08
